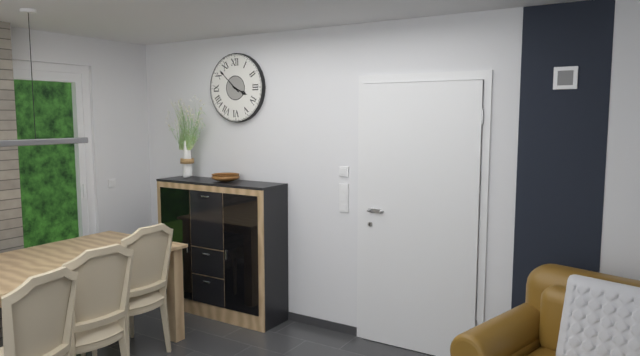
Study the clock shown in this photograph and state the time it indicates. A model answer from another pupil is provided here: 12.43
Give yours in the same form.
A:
3.52
